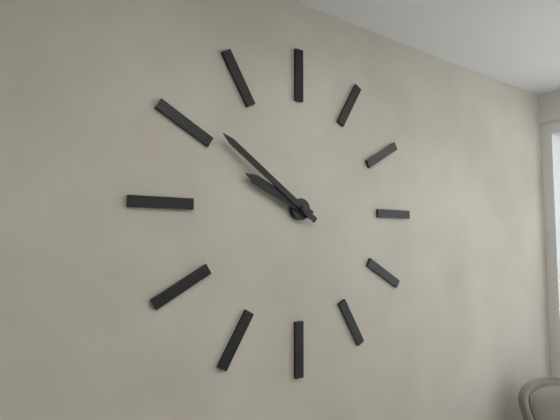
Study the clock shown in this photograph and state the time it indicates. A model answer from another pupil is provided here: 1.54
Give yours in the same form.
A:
9.51
